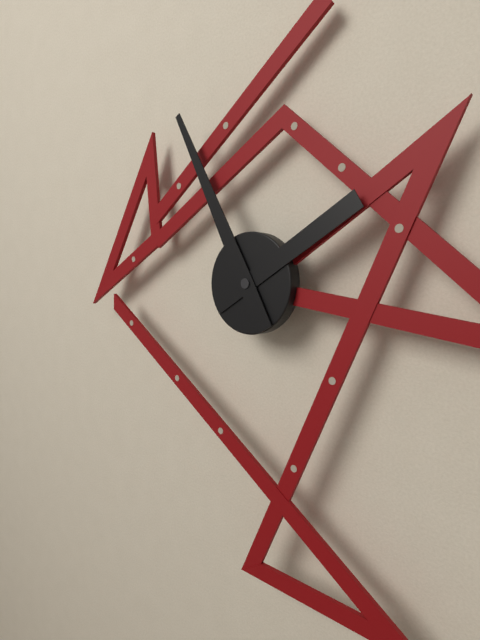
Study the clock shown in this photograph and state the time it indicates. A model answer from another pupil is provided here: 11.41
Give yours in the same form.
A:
1.55
